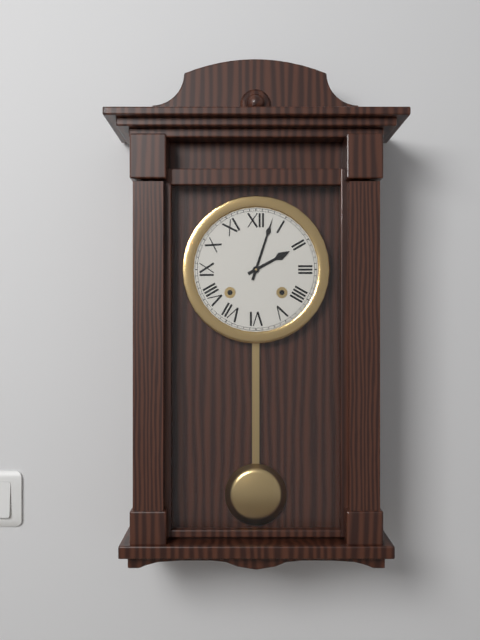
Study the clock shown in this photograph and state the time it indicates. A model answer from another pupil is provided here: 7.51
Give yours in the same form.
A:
2.03
